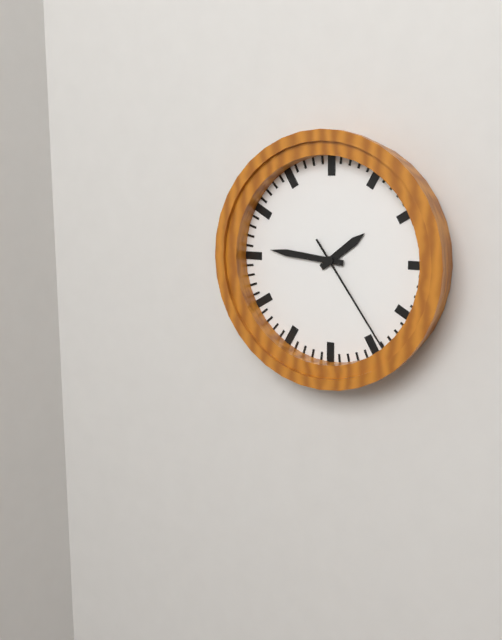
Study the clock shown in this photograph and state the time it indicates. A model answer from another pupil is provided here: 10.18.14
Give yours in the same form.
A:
1.46.24
